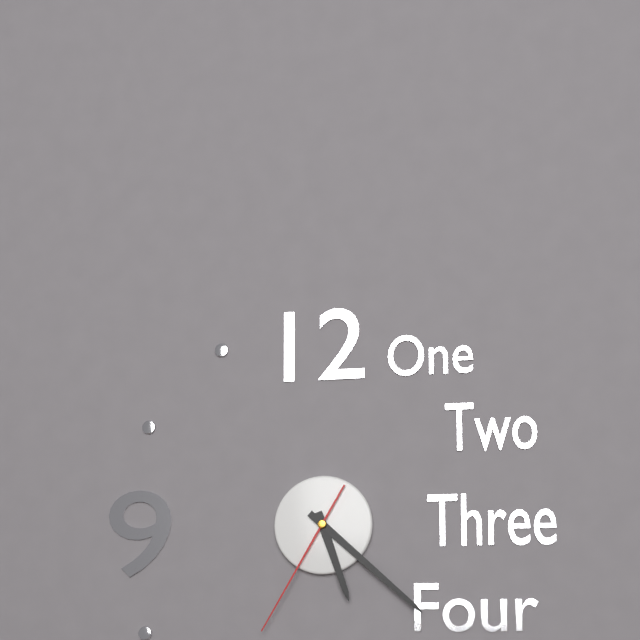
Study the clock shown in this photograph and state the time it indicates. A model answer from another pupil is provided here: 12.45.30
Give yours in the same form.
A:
5.22.35
